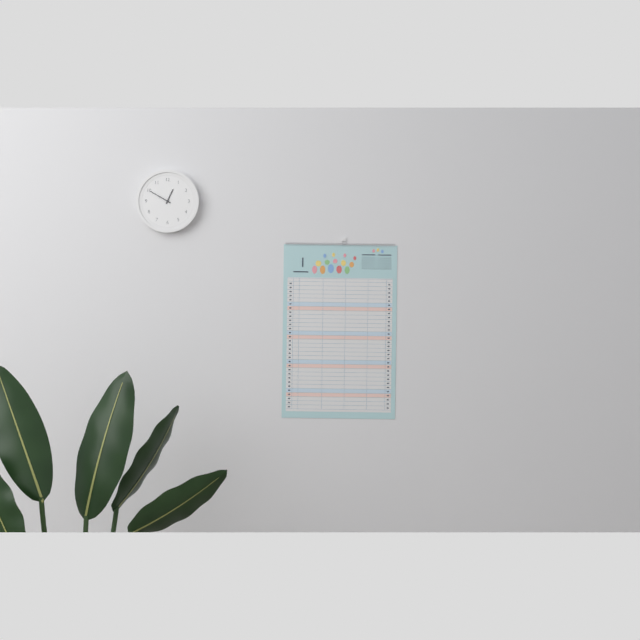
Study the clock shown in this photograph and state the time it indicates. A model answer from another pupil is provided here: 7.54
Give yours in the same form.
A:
12.50
